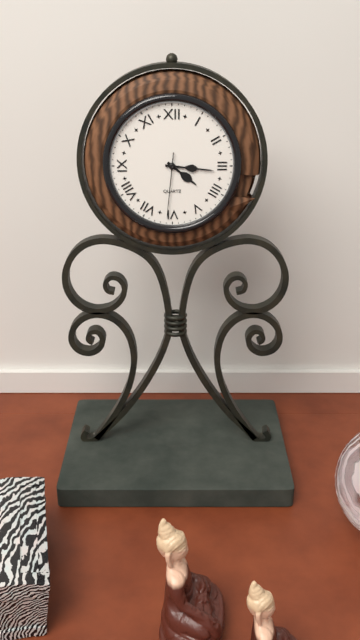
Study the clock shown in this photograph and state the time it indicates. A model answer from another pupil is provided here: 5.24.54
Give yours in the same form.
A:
4.16.31
